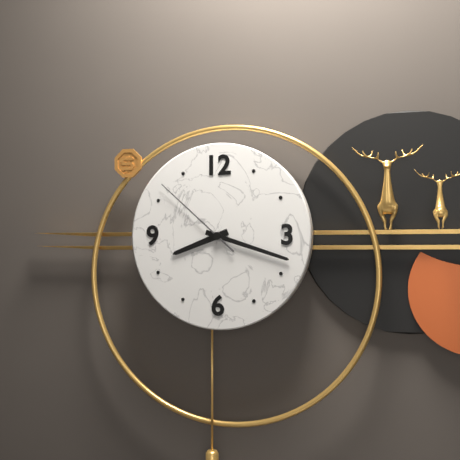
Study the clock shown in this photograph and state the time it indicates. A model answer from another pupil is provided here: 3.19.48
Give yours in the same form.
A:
8.18.52
